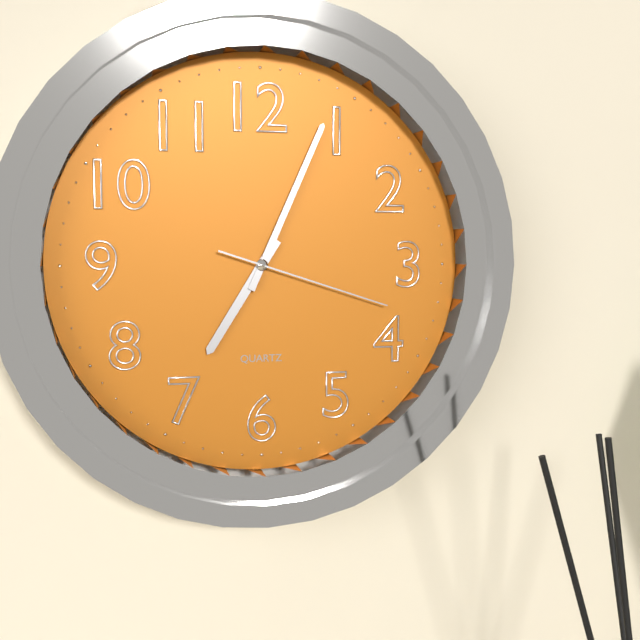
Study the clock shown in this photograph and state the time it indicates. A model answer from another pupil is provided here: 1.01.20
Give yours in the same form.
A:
7.04.18
